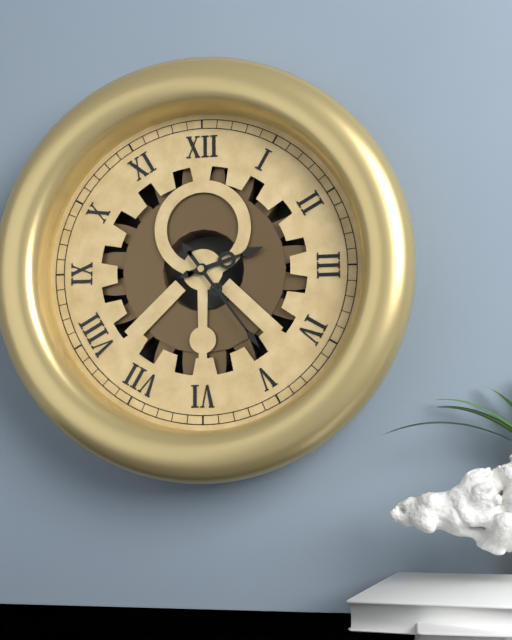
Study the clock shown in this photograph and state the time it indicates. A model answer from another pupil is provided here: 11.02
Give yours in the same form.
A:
2.24
